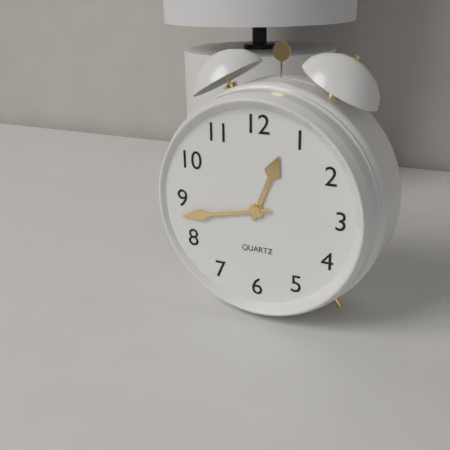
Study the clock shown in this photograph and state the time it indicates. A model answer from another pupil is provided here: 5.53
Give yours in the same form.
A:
12.43
